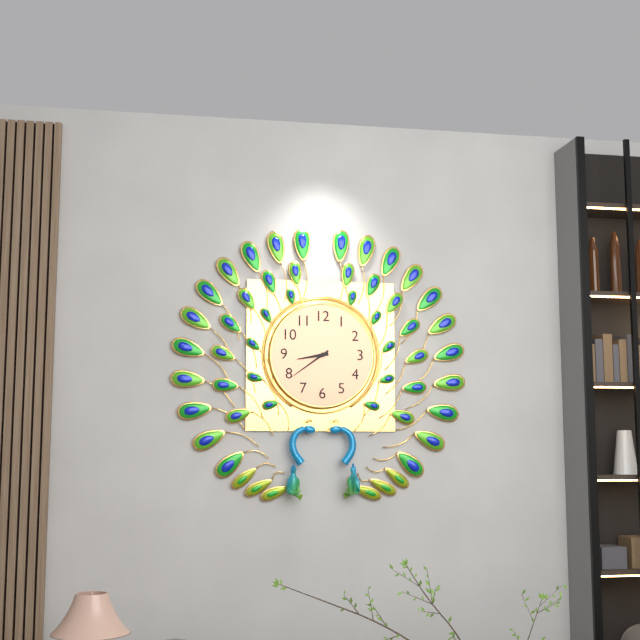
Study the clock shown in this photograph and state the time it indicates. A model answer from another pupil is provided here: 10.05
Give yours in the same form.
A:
8.39
